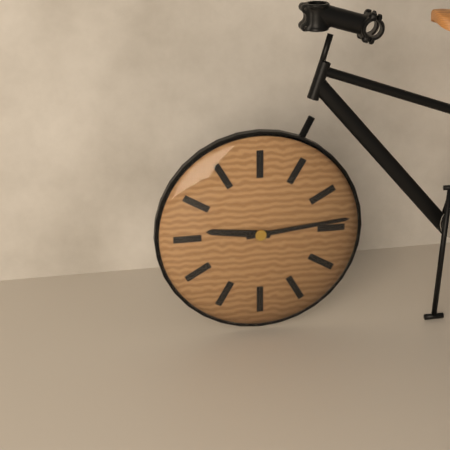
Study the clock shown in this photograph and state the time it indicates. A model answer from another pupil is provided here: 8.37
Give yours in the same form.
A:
9.14
